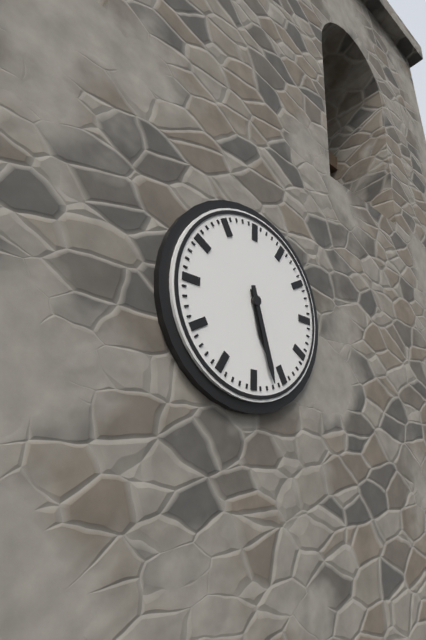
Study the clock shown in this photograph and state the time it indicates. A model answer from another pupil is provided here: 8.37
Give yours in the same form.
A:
5.27
